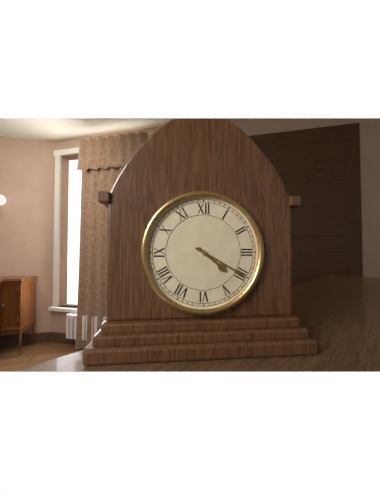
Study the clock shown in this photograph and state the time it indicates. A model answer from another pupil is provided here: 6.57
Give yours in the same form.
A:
4.20
